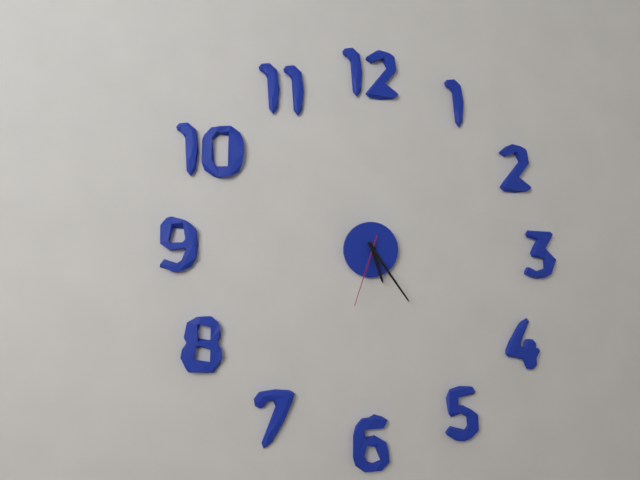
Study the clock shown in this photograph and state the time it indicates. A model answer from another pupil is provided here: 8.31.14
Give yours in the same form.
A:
5.24.33
